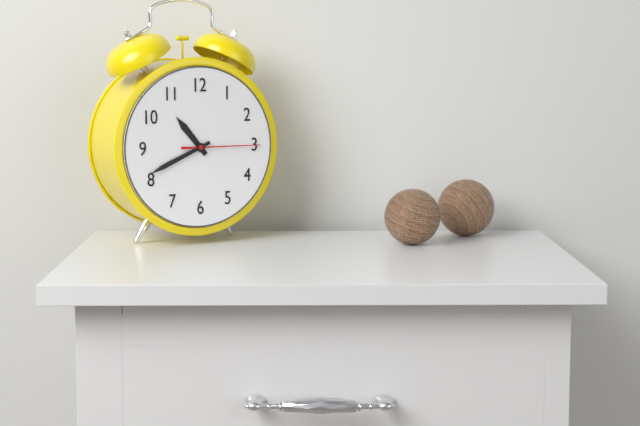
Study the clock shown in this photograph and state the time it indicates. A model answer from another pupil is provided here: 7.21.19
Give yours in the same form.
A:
10.41.15
